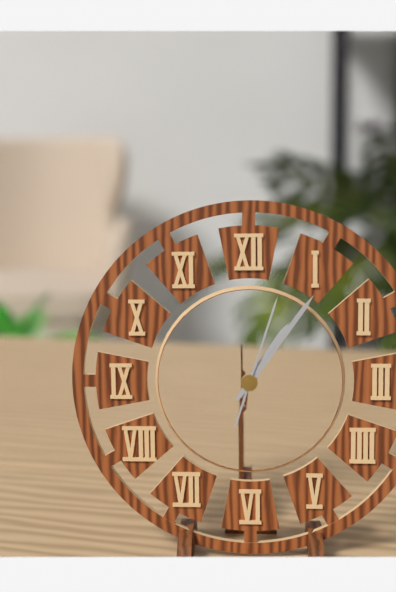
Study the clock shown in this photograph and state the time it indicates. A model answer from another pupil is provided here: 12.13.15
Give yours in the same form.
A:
1.06.03
